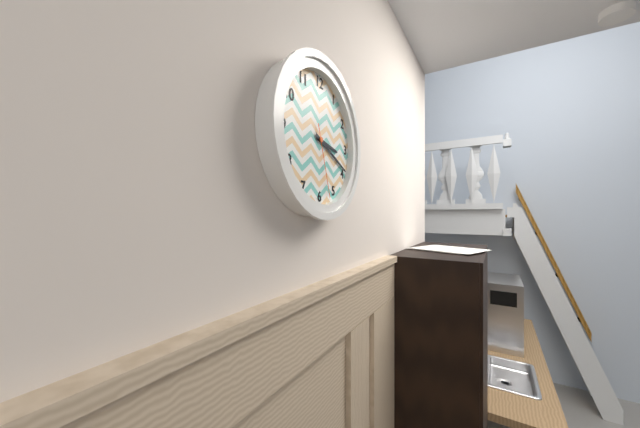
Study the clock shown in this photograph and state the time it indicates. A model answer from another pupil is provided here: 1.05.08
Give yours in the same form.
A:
3.19.27
